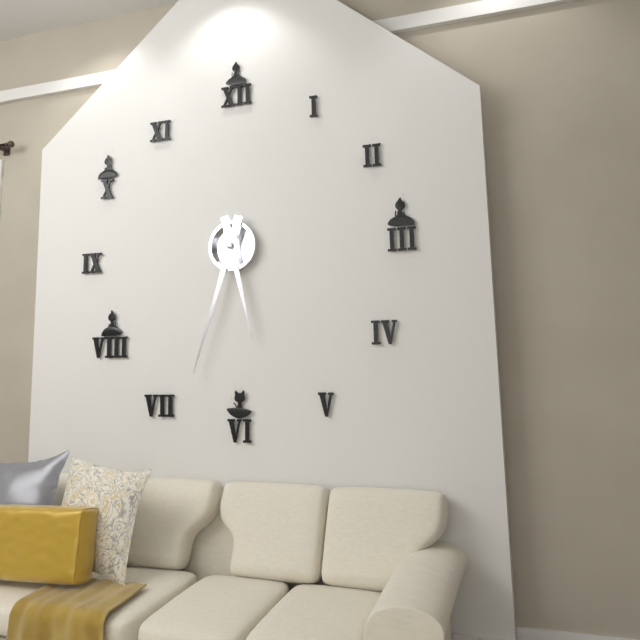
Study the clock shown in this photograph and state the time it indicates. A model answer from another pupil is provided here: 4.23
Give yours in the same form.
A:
5.33
